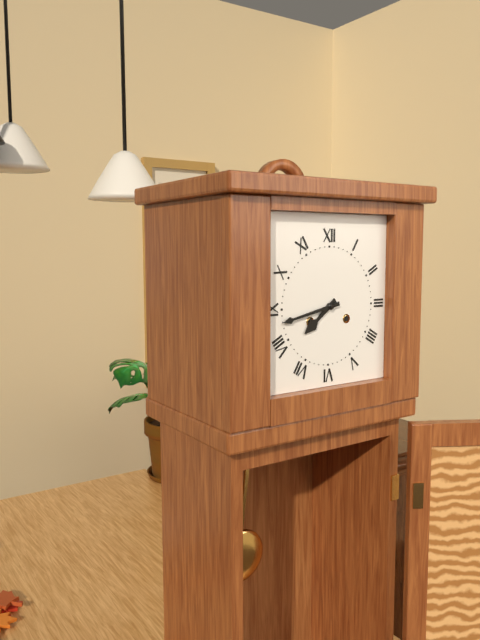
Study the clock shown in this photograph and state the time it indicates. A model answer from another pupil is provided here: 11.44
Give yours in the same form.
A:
7.43
